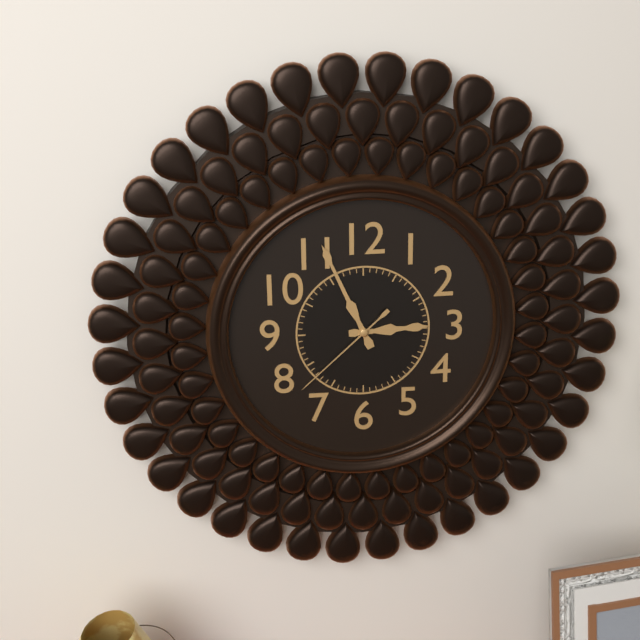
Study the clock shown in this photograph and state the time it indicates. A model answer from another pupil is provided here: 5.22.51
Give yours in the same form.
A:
2.56.38
